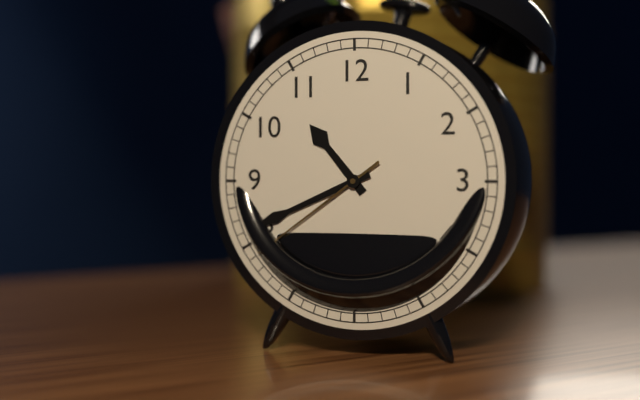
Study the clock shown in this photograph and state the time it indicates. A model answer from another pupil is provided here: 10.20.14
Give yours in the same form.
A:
10.41.39
